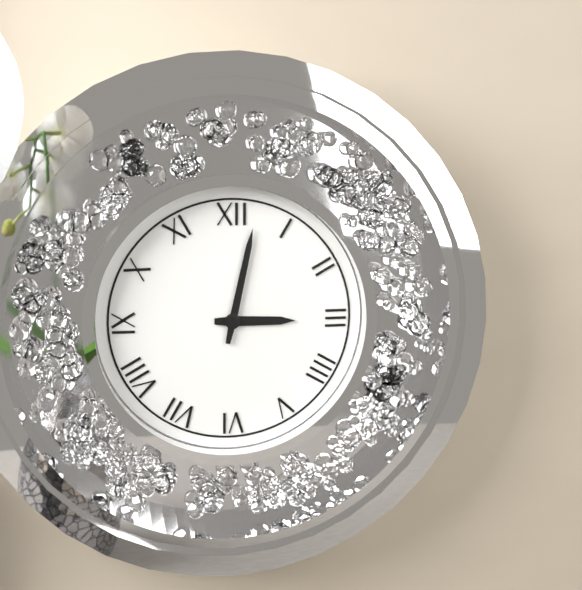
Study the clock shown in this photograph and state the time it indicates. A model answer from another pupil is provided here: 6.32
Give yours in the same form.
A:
3.02
